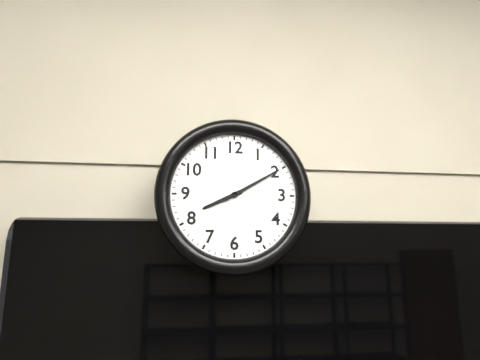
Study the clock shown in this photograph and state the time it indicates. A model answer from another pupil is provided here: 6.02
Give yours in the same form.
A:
8.10
